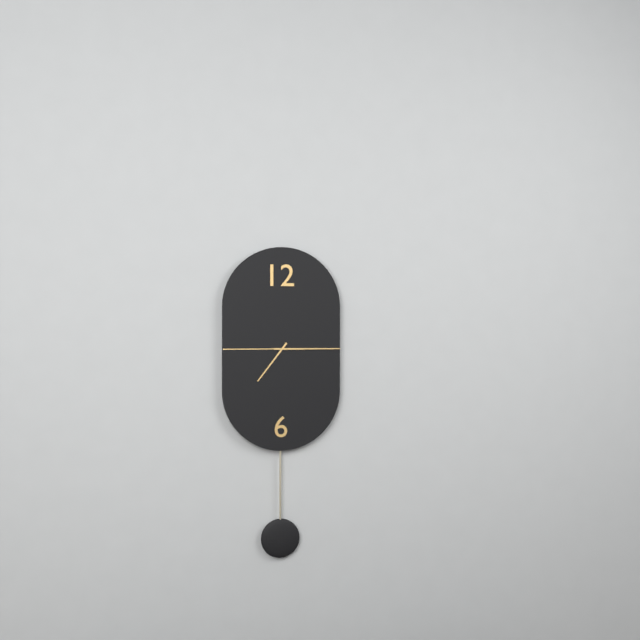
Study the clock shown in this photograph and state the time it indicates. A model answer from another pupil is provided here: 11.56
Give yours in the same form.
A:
7.15
